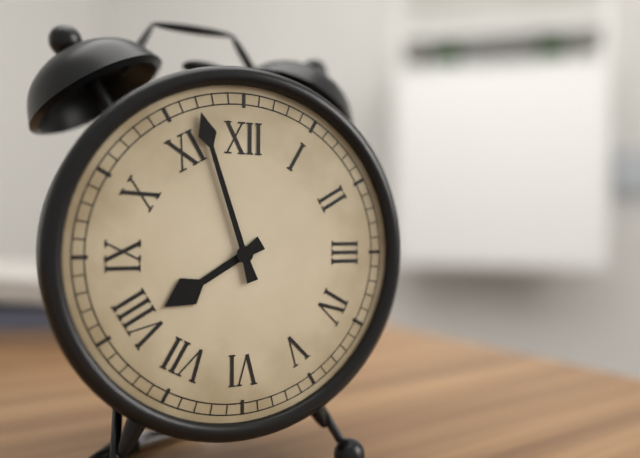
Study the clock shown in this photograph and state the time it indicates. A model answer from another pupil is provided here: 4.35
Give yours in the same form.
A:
7.57
